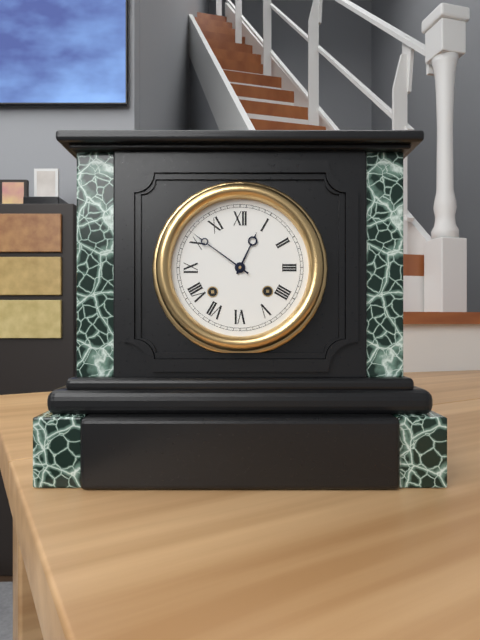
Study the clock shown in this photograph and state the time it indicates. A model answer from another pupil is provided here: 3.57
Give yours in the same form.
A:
12.51
